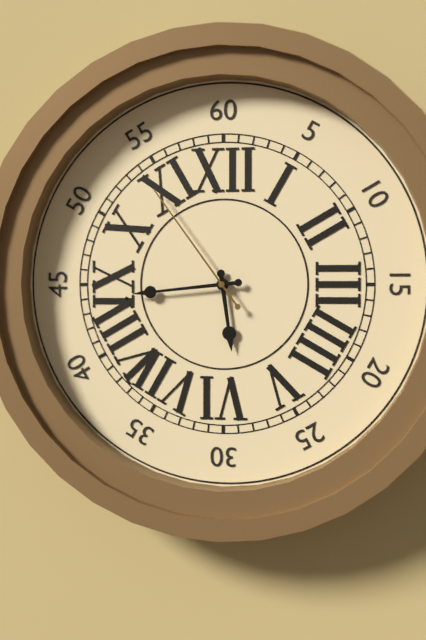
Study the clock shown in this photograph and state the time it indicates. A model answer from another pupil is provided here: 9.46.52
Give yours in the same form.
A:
5.44.54
